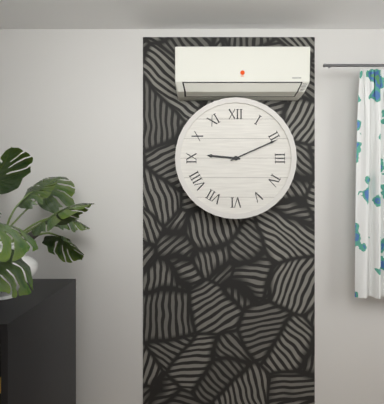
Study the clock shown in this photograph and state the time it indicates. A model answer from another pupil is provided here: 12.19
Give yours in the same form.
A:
9.11
